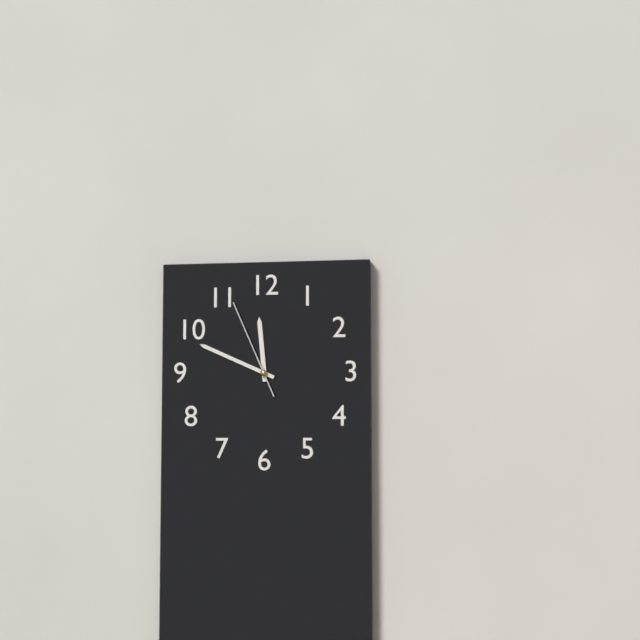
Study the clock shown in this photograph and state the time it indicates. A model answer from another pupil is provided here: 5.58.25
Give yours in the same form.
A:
11.49.56
